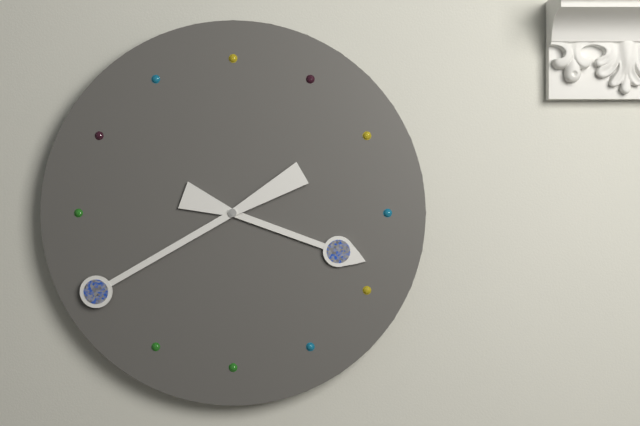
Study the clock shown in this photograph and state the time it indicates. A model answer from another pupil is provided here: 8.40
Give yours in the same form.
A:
3.40
